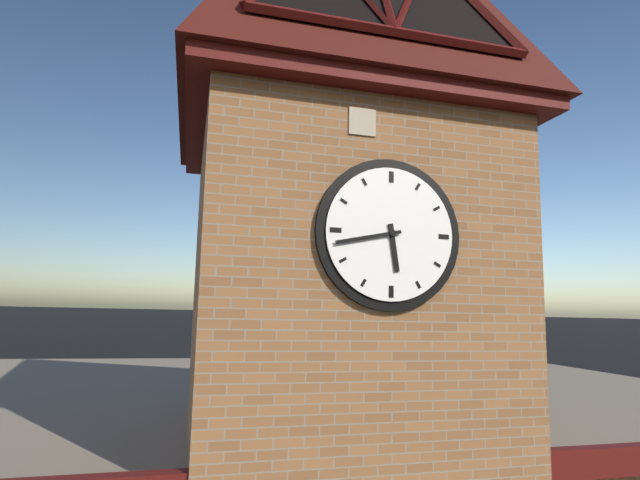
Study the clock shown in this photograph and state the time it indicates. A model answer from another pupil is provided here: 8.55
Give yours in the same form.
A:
5.43
